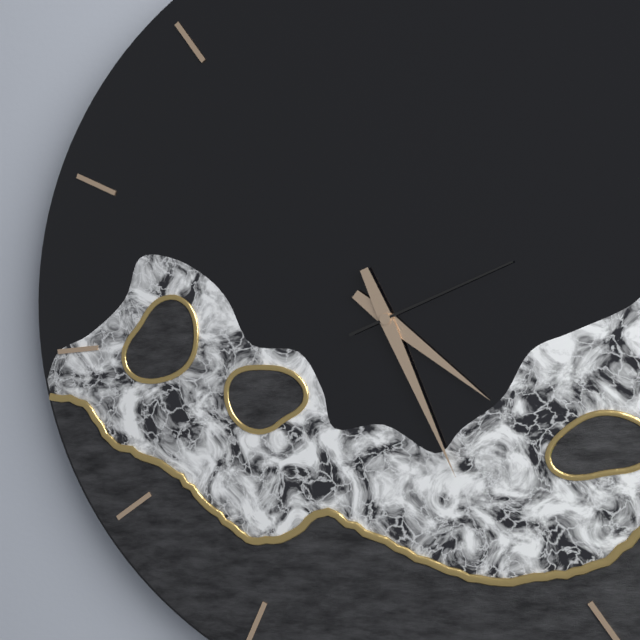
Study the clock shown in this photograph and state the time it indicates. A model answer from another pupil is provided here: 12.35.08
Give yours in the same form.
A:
4.27.12
